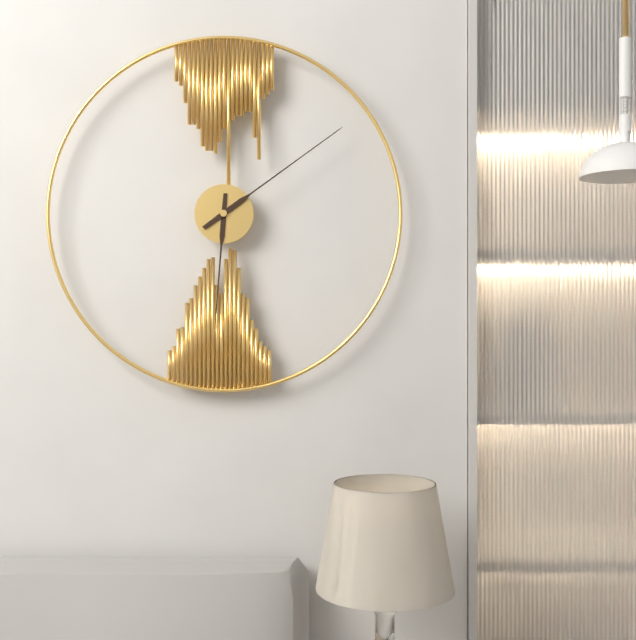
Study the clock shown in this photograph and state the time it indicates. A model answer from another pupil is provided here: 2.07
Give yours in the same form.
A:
6.09
